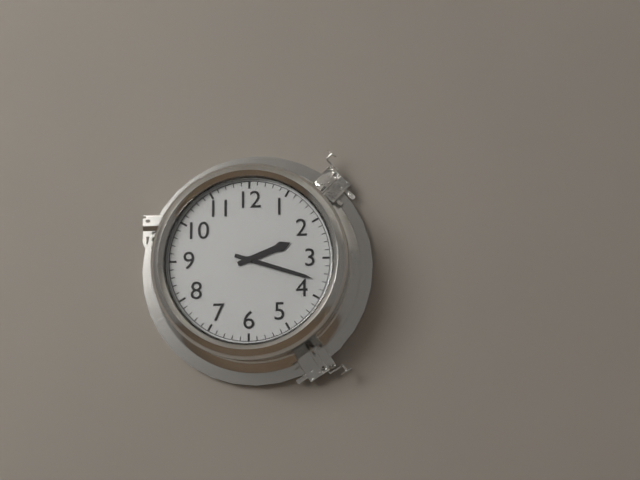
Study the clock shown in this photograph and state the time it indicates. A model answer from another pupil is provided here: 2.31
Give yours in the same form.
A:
2.18
